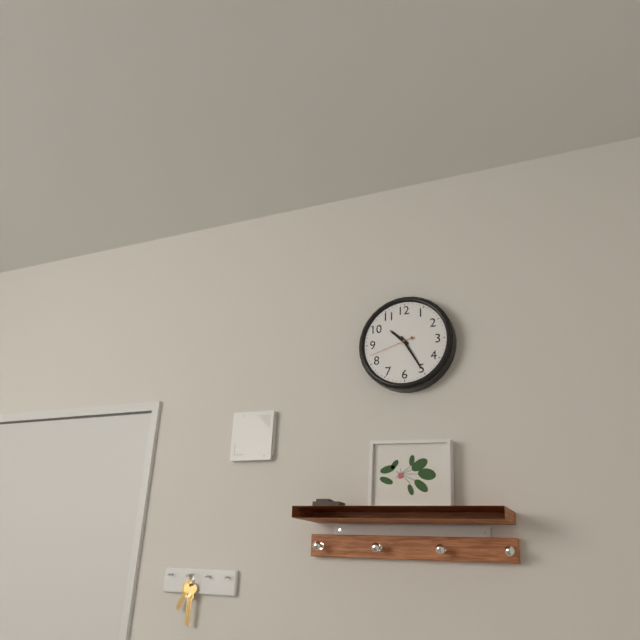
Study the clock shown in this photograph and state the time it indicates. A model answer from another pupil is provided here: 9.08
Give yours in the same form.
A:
10.25
